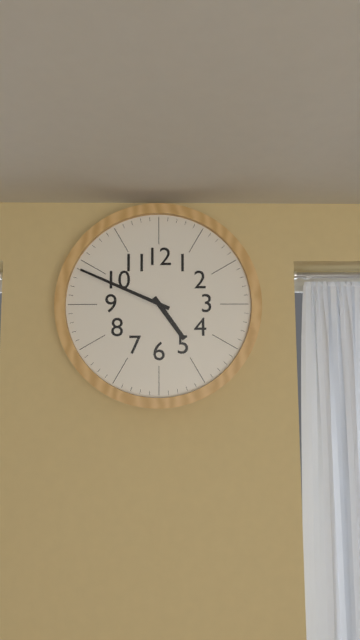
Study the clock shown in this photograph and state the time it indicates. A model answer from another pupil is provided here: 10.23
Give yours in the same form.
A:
4.49
